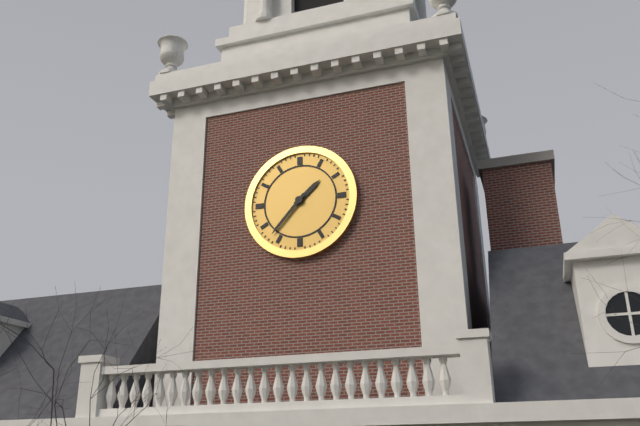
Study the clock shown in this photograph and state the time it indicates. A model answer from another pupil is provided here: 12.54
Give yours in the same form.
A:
1.37
